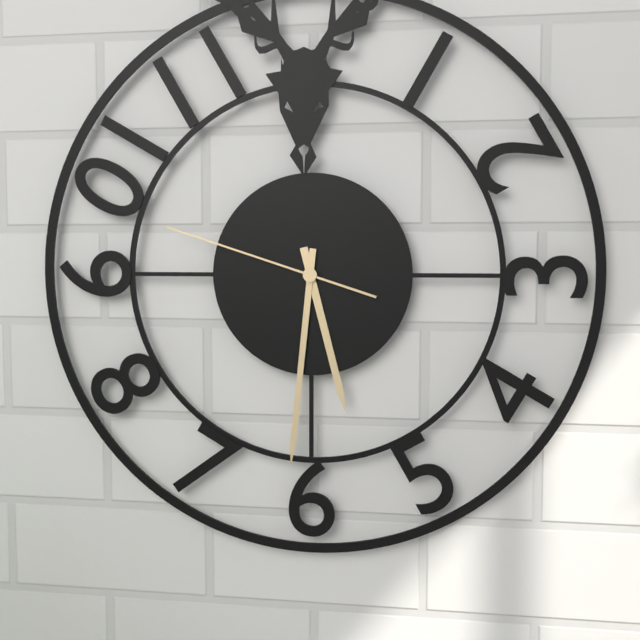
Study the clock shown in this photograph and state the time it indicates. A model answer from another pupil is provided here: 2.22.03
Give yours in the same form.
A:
5.31.48
